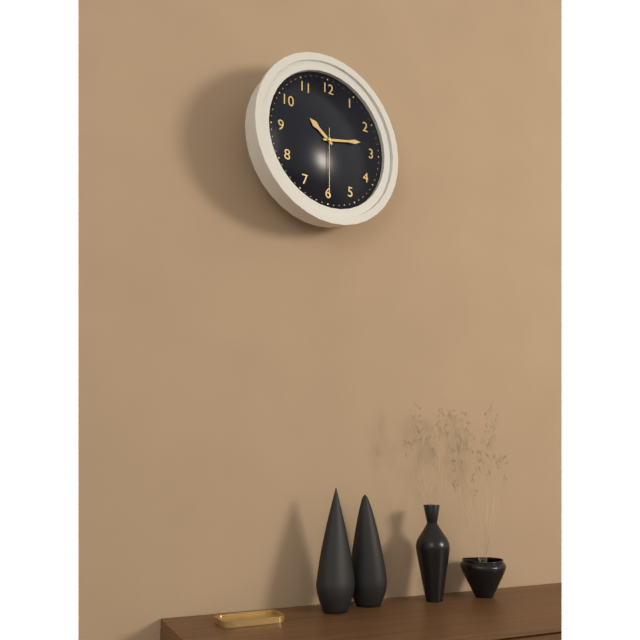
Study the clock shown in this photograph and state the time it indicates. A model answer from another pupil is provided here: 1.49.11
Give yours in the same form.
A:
10.13.30
